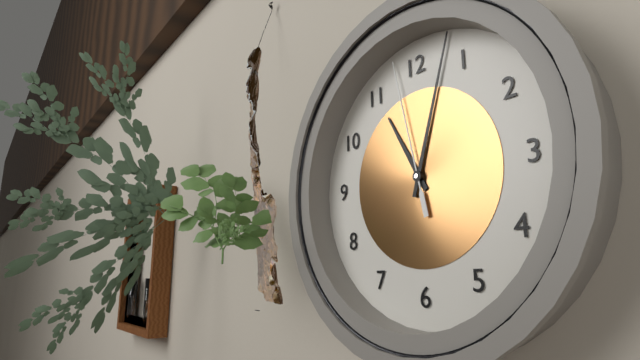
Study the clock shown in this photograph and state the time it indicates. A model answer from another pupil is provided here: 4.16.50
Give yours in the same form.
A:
11.03.58
